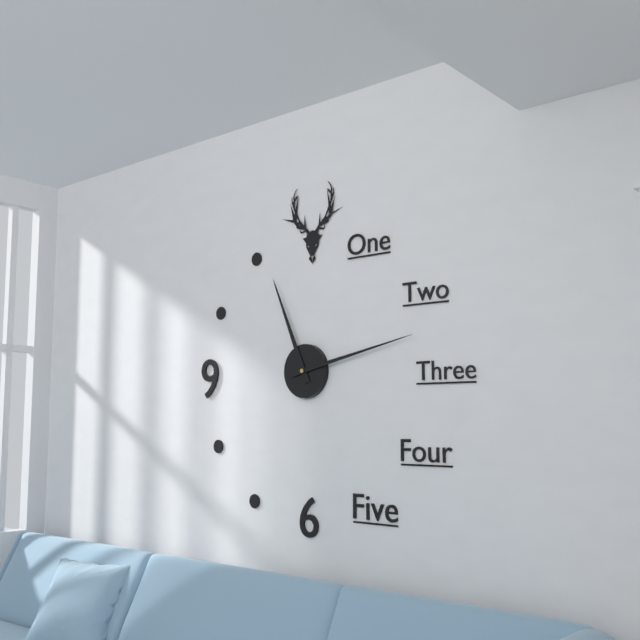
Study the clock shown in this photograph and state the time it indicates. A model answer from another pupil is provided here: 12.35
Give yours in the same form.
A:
11.13
